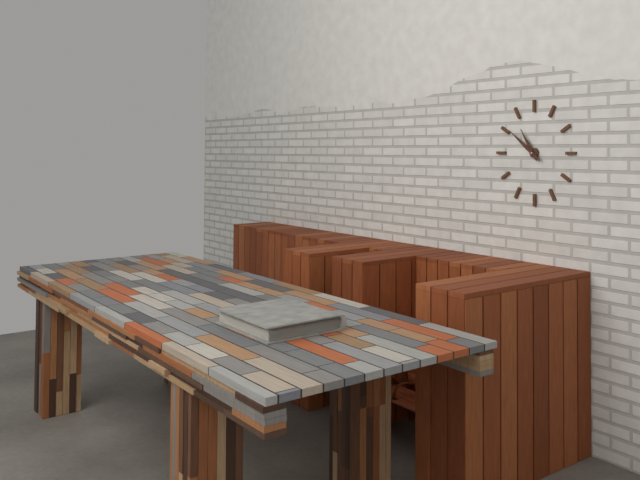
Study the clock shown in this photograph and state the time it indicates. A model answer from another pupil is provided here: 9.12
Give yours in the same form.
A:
10.51
